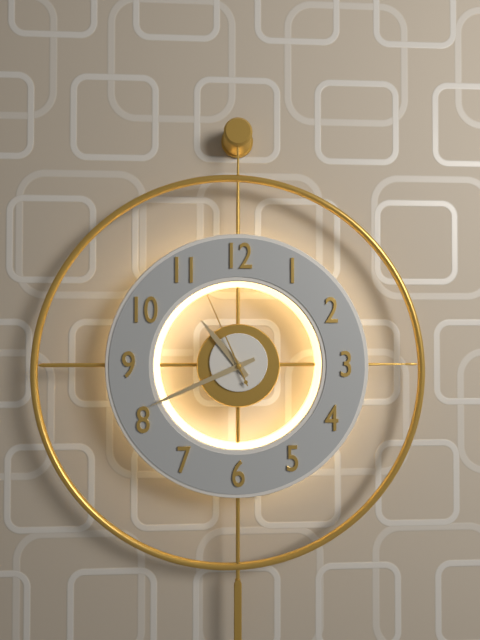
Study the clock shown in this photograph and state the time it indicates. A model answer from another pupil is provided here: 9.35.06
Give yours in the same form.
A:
10.41.56
